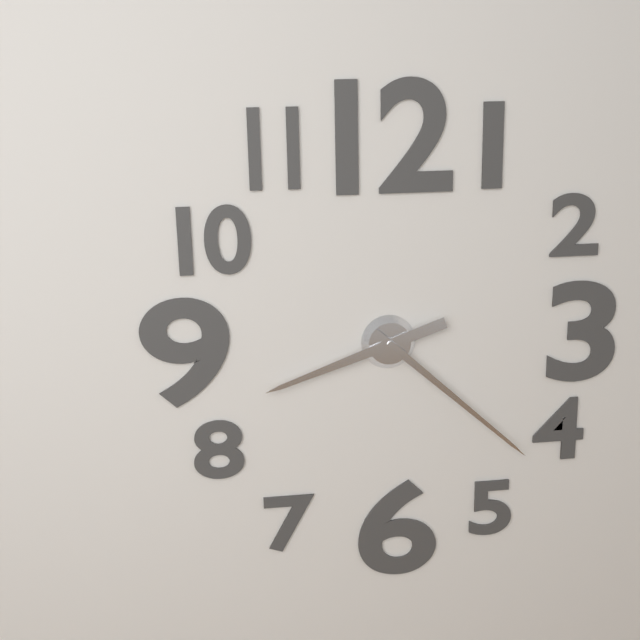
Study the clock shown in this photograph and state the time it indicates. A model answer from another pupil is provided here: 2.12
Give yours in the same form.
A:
8.22
